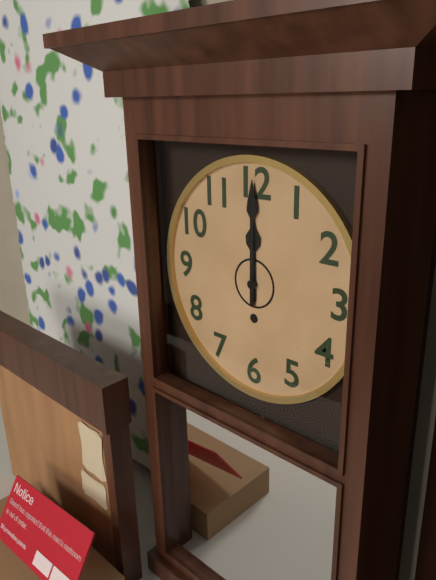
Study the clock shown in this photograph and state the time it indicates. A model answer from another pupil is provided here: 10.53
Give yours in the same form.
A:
12.00
